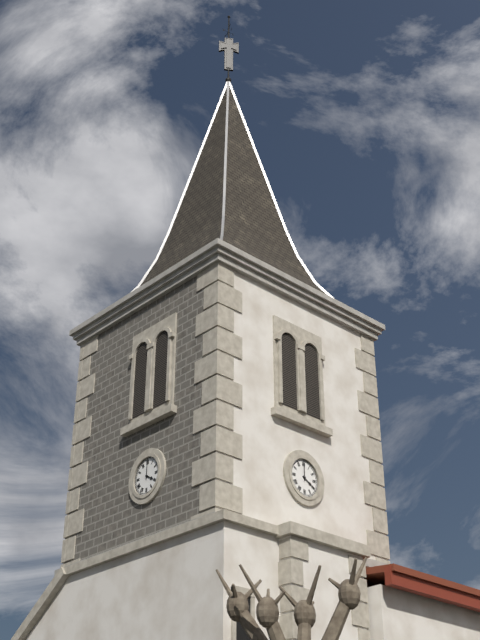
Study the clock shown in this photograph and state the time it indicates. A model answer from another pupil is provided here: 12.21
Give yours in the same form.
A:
4.00
